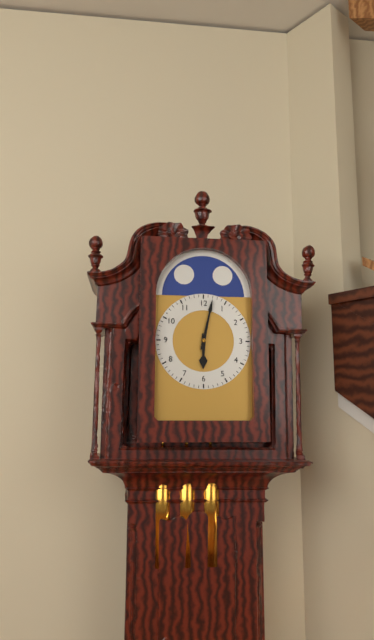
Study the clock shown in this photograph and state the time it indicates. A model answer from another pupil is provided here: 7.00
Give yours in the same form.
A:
6.02
